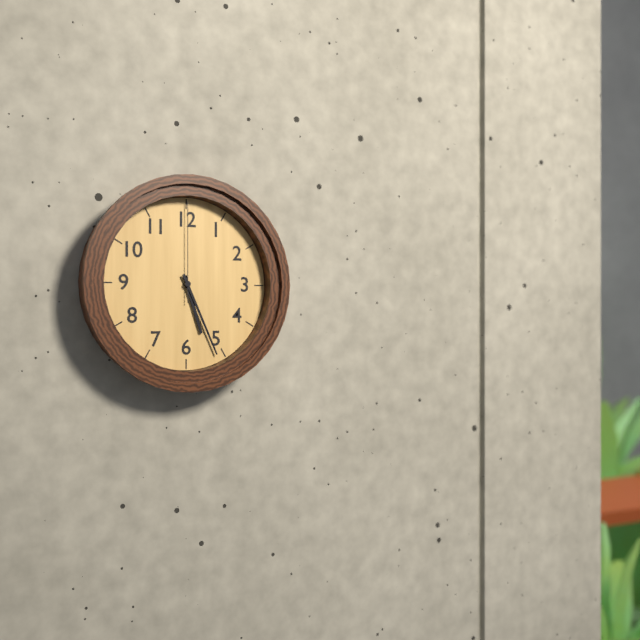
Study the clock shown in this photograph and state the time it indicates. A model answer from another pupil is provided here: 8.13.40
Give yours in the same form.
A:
5.26.00
